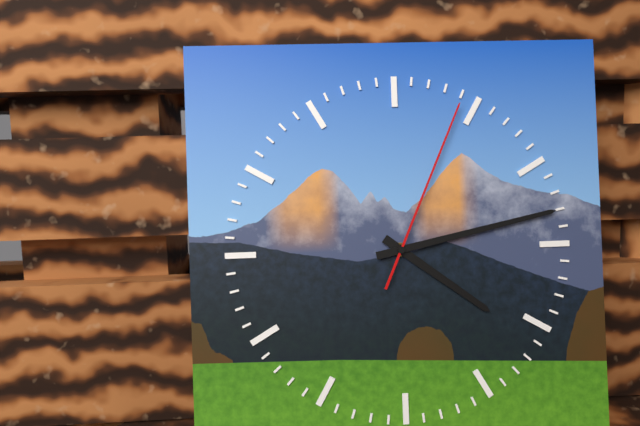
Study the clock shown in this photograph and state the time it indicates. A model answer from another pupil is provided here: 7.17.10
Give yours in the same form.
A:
4.13.04
